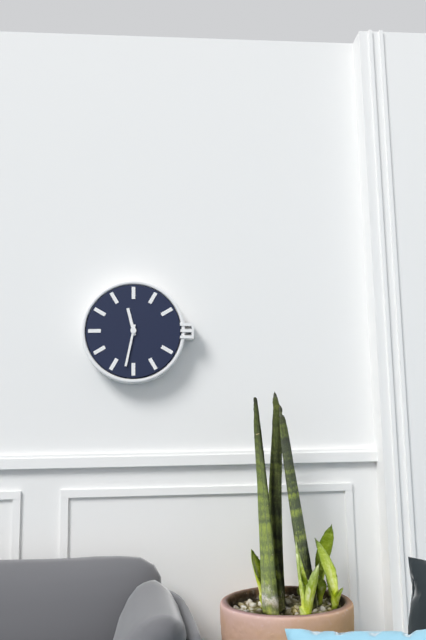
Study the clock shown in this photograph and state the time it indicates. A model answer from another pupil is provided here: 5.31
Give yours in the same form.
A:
11.32
